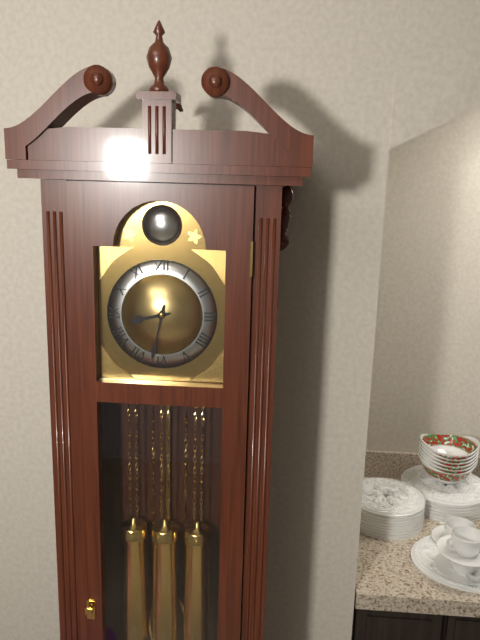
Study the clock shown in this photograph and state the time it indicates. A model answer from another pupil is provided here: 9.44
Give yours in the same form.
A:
8.32
